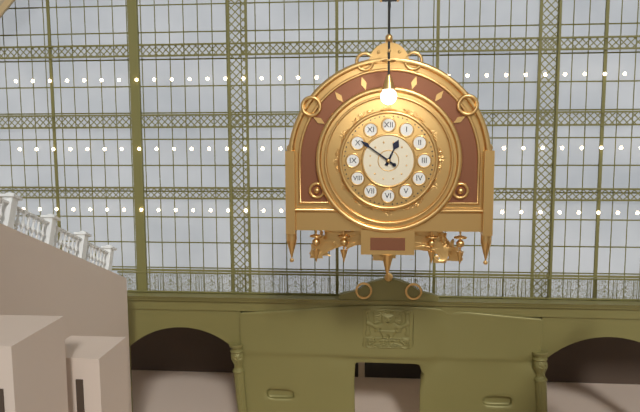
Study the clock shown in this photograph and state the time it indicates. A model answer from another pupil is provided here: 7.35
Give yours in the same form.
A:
12.51
